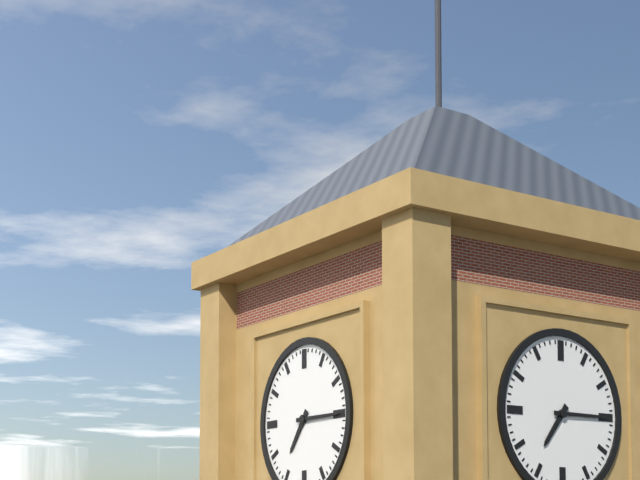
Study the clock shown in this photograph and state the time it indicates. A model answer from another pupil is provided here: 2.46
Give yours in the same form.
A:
7.15
